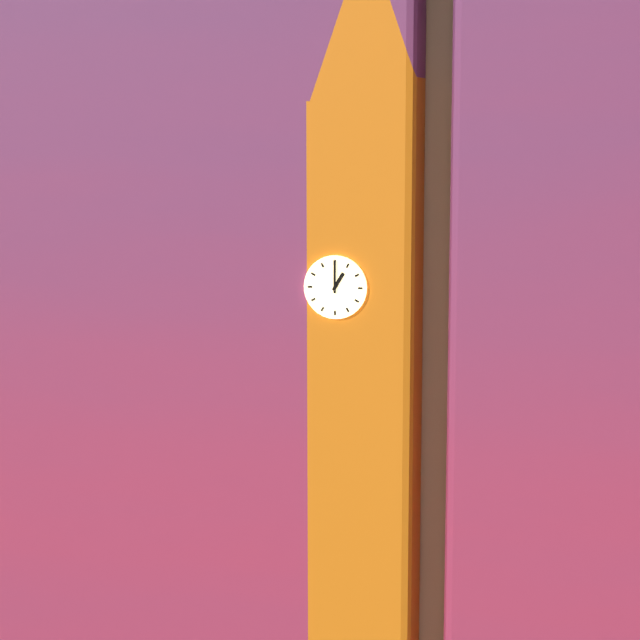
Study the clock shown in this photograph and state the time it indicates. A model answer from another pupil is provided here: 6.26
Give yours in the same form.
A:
1.00
